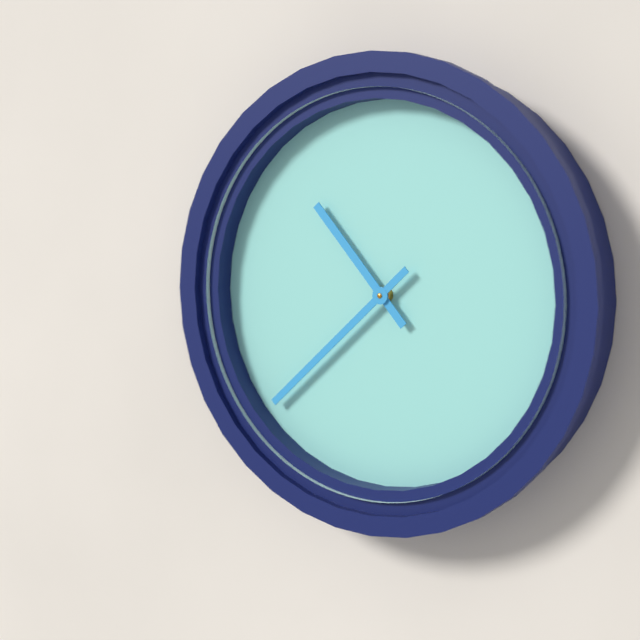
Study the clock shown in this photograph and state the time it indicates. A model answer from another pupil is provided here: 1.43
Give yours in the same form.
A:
10.38
